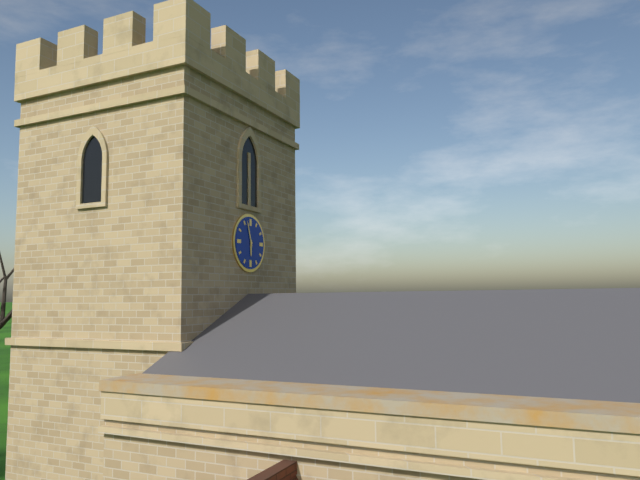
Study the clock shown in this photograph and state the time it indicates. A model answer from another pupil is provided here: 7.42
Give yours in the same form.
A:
5.57
